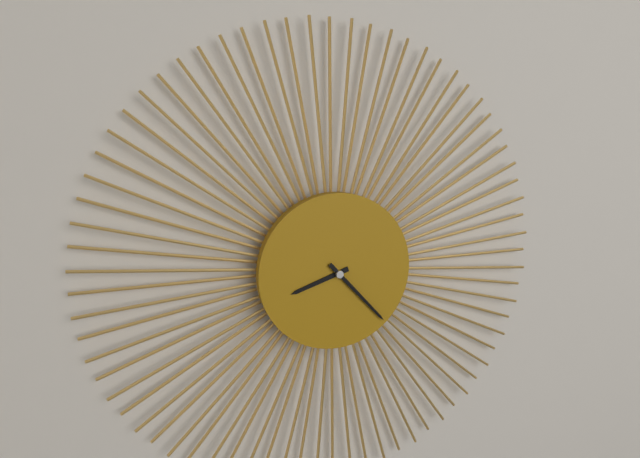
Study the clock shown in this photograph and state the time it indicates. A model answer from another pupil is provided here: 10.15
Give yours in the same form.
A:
8.23
